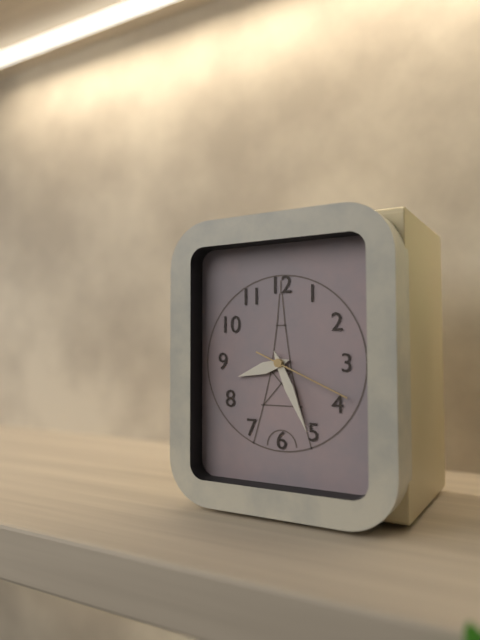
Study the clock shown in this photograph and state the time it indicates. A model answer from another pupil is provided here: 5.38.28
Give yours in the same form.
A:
8.26.19
